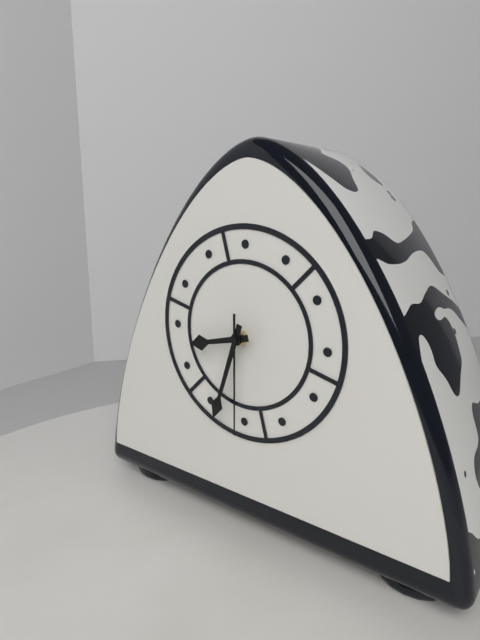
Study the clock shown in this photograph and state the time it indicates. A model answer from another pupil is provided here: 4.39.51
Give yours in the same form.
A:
8.33.30
